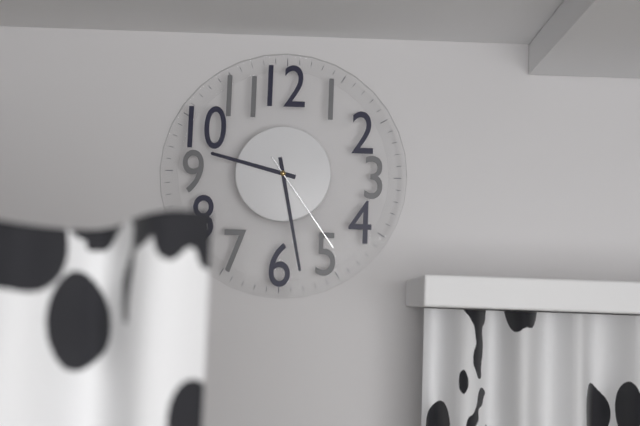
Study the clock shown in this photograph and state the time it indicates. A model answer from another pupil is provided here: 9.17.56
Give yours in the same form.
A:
9.28.24
